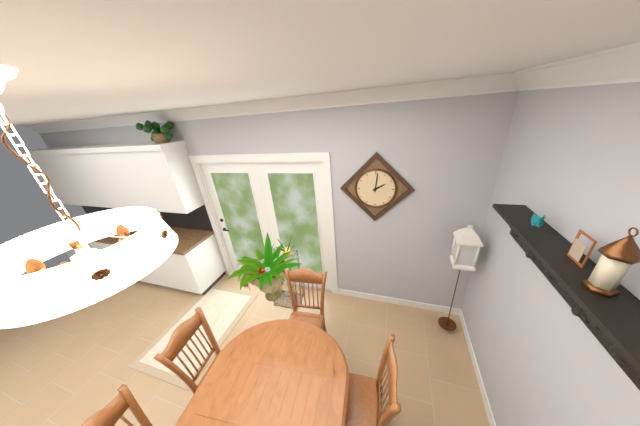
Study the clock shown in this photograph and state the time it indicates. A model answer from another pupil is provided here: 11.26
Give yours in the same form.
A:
2.01
